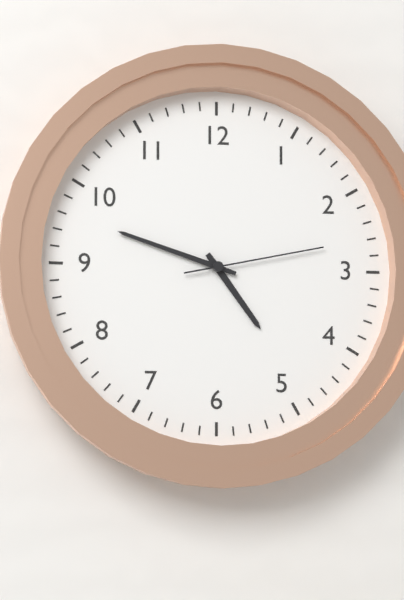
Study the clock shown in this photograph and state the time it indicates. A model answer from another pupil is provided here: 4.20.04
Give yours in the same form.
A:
4.48.13
